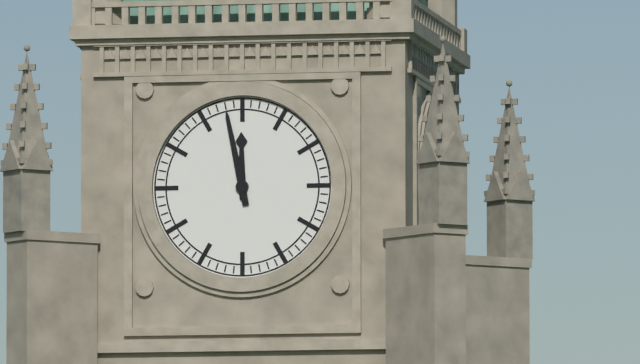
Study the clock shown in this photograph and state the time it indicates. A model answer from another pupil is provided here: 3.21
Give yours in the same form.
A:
11.58
